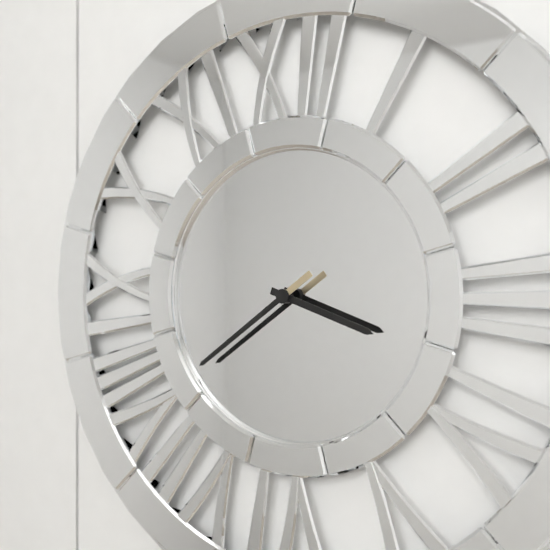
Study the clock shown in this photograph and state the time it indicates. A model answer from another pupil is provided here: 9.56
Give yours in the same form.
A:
3.39
